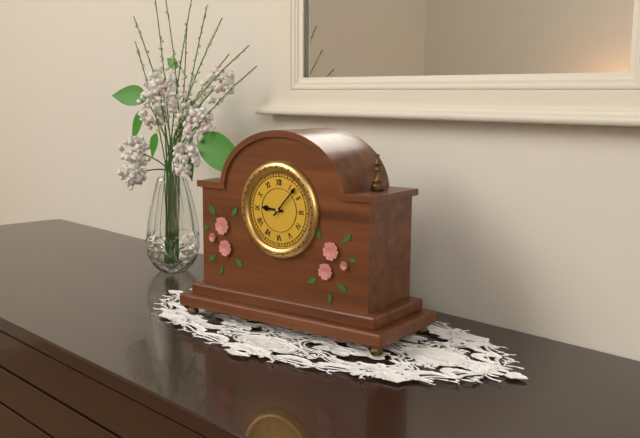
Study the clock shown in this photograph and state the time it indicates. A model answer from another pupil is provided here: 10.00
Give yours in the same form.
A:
9.07
